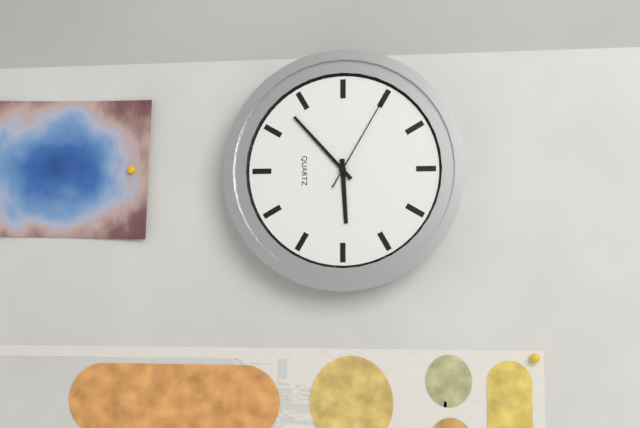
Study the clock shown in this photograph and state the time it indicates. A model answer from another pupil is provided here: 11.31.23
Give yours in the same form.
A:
5.53.05
